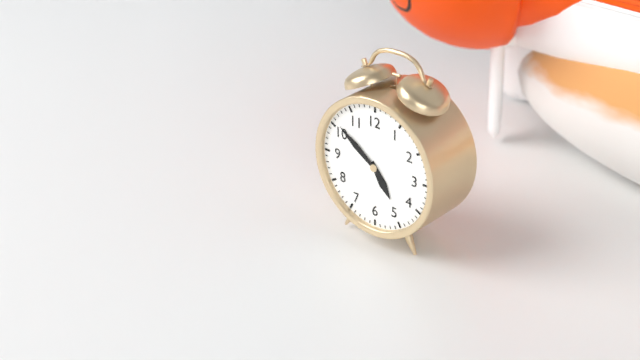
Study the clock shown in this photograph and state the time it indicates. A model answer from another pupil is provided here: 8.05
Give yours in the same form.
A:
4.51
